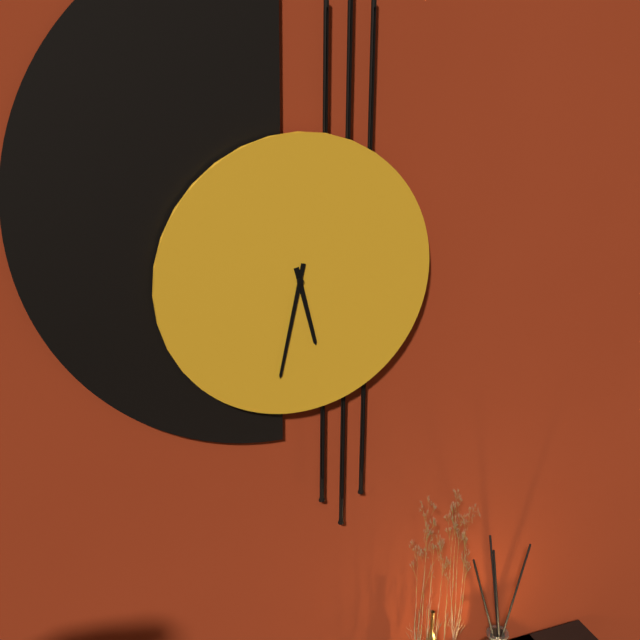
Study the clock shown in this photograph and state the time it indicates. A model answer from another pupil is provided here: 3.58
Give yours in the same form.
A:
5.32
